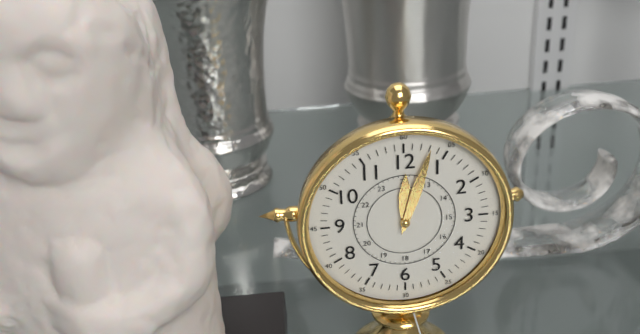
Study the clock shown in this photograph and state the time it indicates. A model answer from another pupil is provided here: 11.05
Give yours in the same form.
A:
12.03
